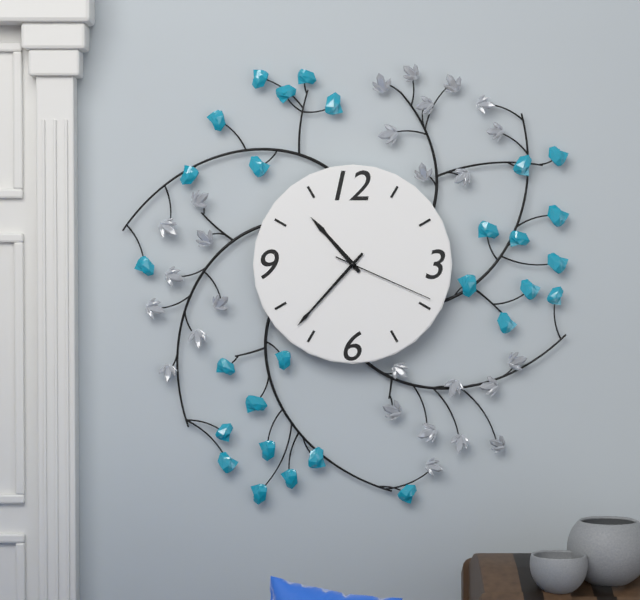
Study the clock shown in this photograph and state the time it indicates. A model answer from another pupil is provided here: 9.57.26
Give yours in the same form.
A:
10.37.19
